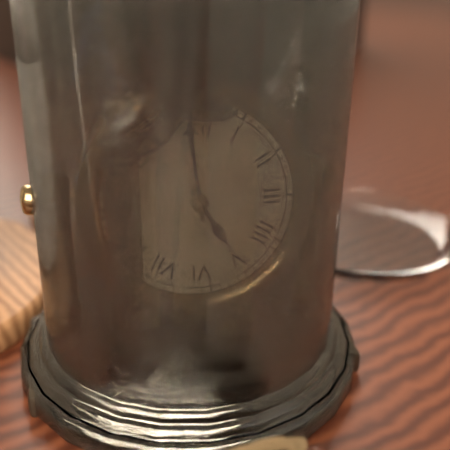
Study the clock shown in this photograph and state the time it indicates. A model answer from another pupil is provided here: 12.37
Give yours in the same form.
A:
4.59
